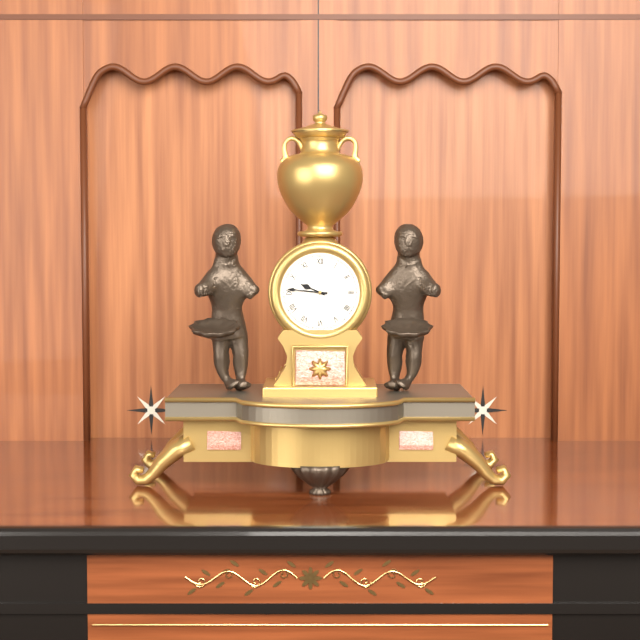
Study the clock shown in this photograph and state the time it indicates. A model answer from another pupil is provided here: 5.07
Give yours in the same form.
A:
9.46
